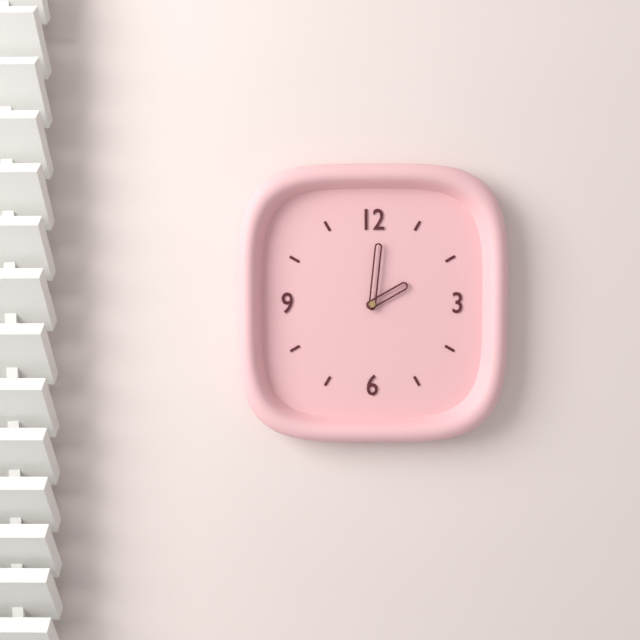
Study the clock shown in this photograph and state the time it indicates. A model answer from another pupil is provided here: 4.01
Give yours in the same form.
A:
2.01
